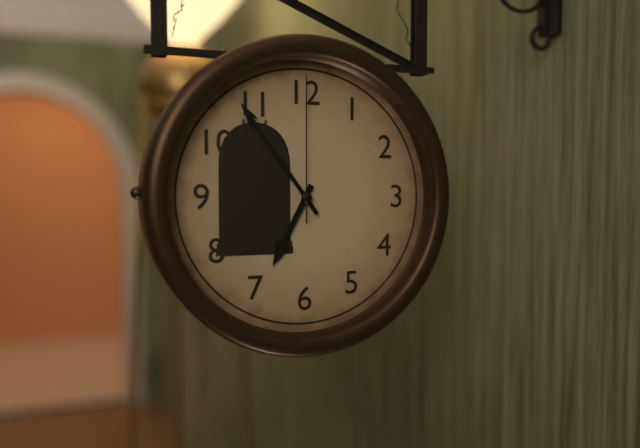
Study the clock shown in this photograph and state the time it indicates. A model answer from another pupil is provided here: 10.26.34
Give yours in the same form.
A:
6.54.00
